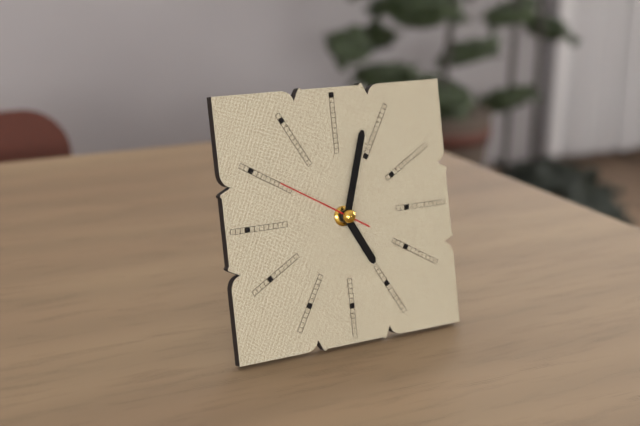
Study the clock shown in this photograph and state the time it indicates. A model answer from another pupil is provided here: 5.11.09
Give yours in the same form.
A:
5.03.50
